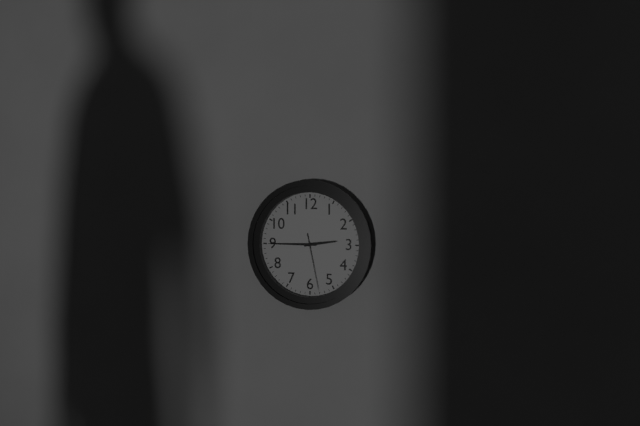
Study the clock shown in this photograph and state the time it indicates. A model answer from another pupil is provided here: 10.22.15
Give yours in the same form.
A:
2.45.28
